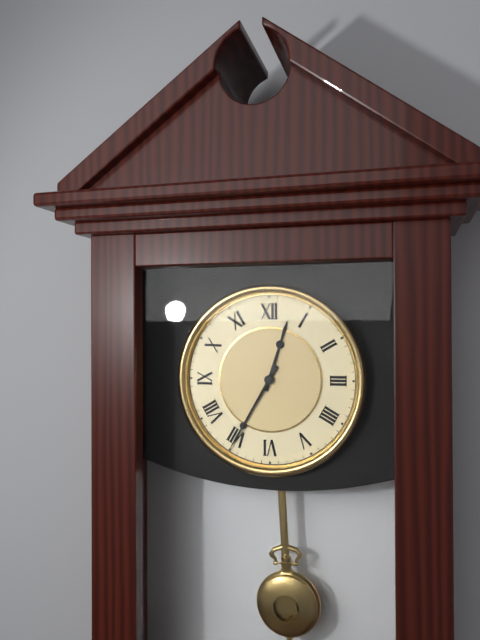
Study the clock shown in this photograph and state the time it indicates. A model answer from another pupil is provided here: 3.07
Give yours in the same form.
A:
12.35
